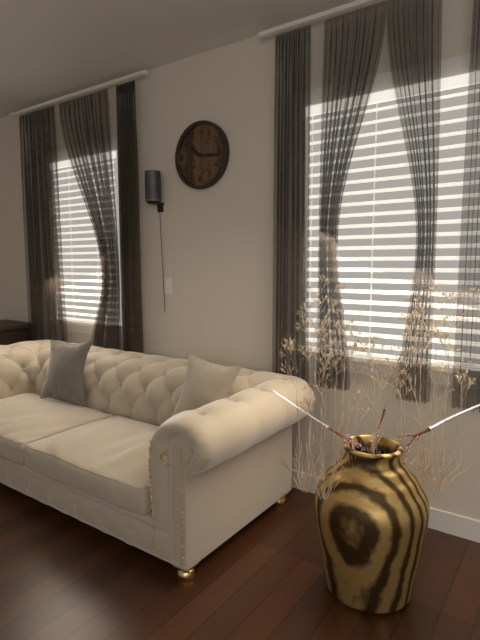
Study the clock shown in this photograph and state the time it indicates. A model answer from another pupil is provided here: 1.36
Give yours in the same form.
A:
10.16
